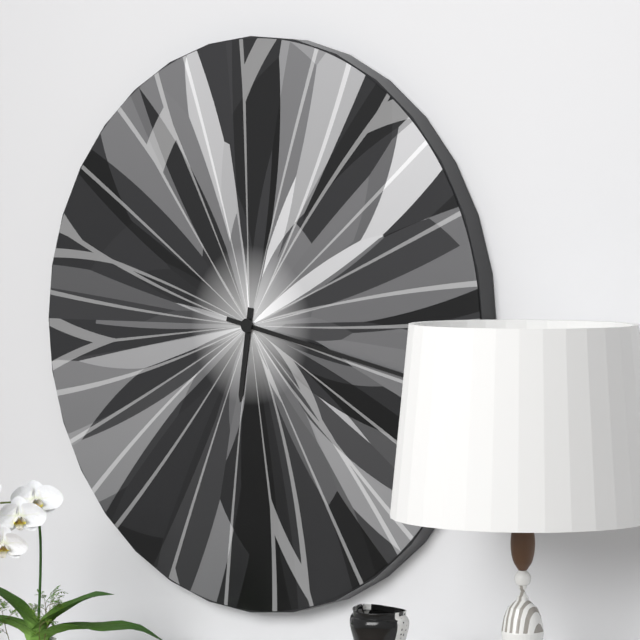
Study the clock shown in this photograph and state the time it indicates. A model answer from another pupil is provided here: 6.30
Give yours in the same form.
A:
6.17
